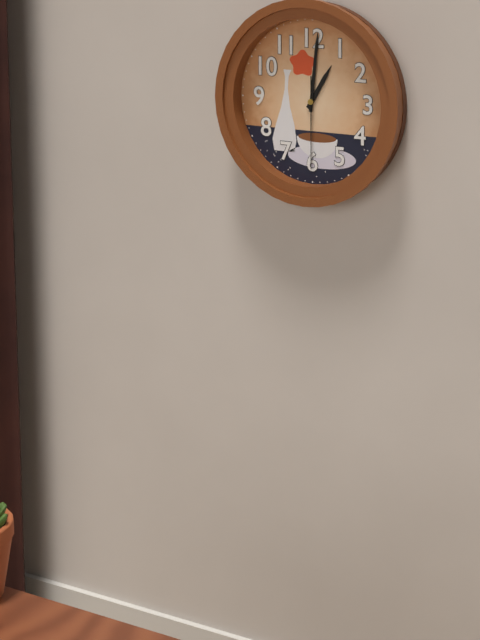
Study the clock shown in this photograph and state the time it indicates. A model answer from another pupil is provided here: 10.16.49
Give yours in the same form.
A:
1.01.30
